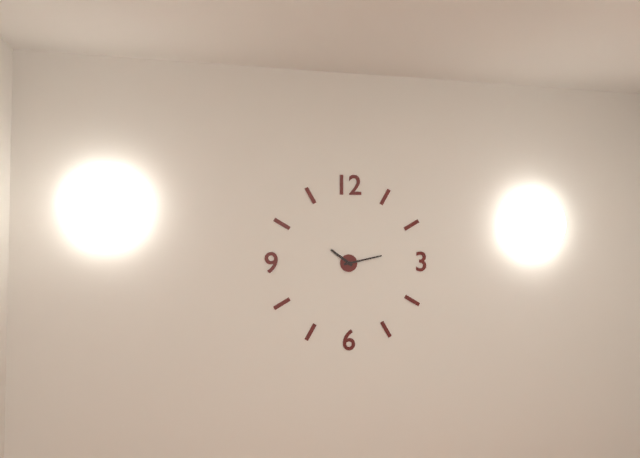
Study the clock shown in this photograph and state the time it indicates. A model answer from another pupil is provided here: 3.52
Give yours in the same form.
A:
10.13
